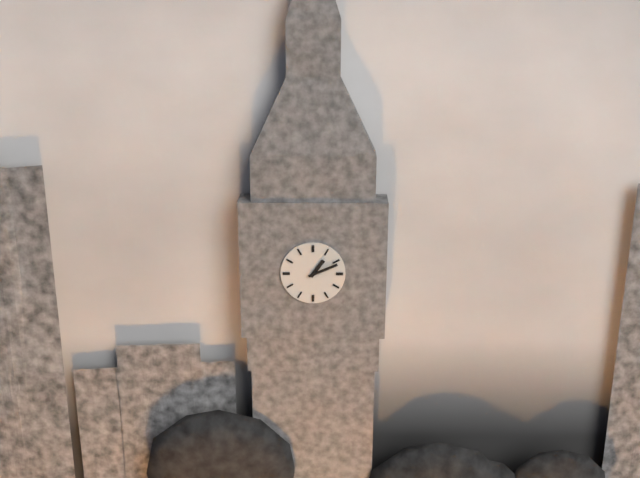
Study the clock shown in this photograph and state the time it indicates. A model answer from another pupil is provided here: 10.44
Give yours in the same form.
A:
1.11
